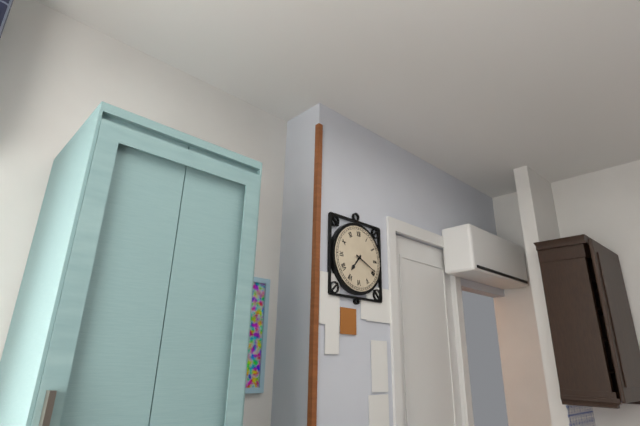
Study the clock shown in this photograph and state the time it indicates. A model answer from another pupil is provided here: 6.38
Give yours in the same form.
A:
7.19
